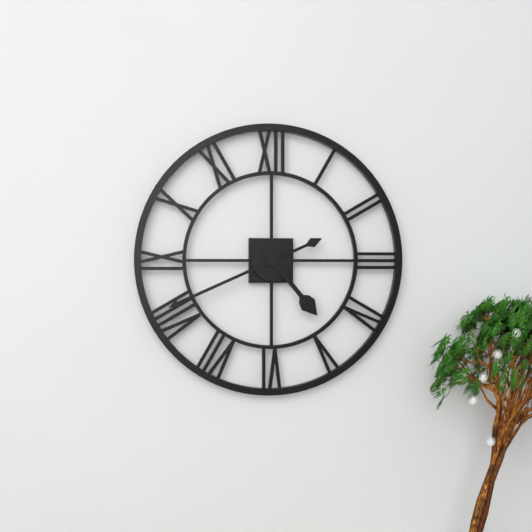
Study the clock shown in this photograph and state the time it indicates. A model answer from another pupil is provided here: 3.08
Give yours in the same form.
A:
4.41
